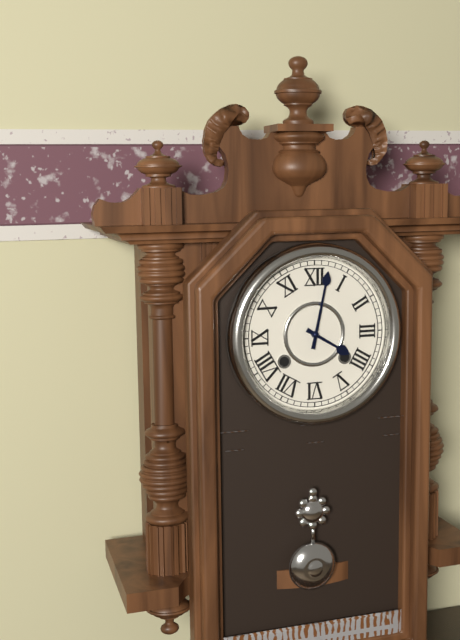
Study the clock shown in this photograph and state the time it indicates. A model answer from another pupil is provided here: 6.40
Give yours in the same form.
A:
4.02
